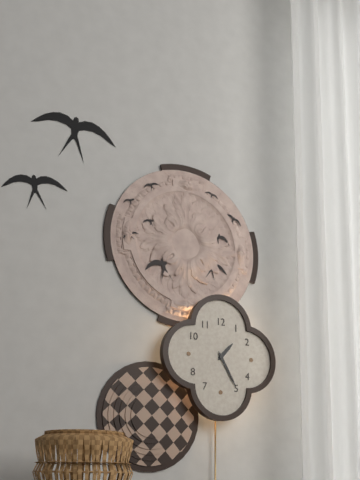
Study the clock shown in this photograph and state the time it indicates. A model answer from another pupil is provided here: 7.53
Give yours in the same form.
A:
1.25
